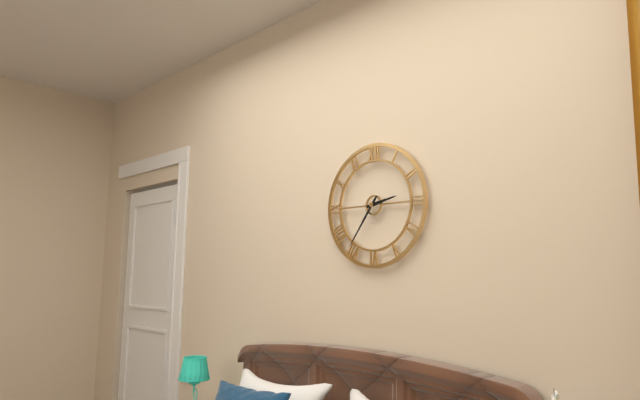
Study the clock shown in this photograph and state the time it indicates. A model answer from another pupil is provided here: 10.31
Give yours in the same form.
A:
2.36
